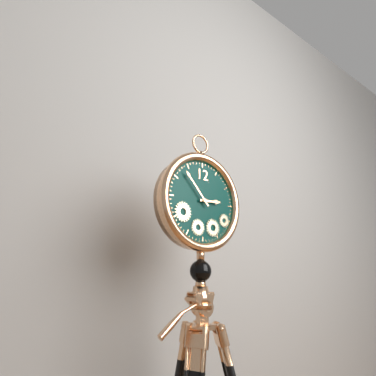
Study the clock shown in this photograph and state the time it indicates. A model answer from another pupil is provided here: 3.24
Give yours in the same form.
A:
2.53
